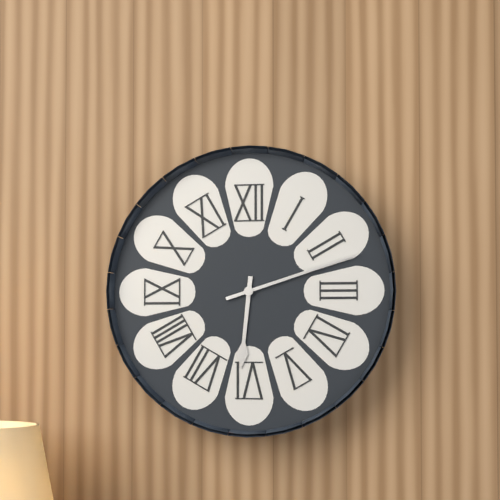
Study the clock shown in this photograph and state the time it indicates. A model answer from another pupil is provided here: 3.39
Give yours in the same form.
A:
6.12
